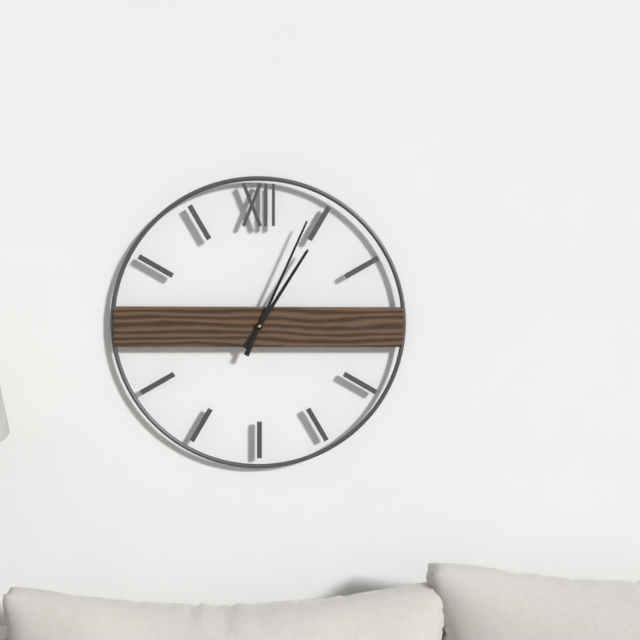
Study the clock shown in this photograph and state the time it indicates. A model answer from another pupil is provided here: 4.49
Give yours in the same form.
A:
1.04
